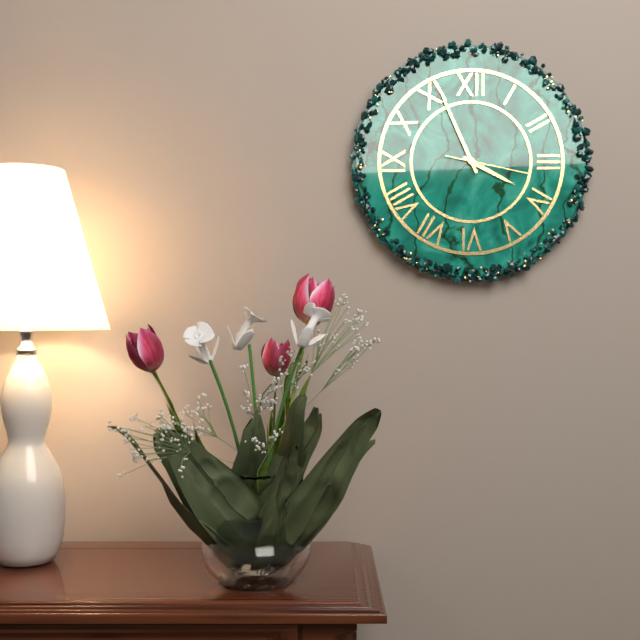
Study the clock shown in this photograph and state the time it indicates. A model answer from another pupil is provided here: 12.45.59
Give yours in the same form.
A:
3.56.17
